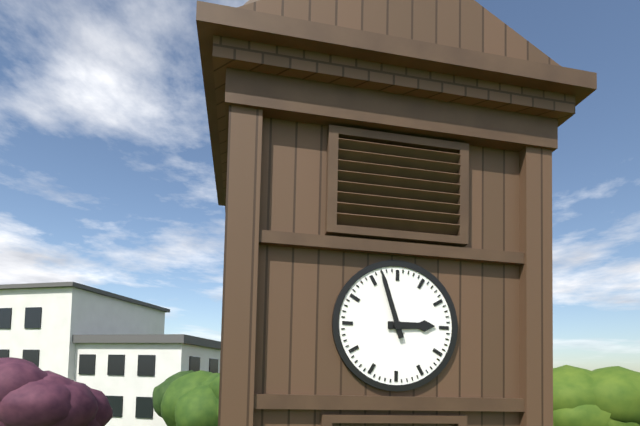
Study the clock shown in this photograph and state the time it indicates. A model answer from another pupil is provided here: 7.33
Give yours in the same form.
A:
2.57
